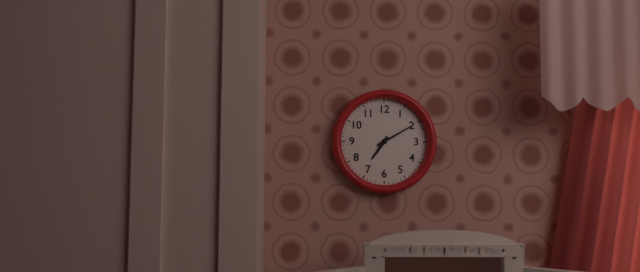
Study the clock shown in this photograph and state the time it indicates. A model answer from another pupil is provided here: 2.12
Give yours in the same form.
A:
7.10
